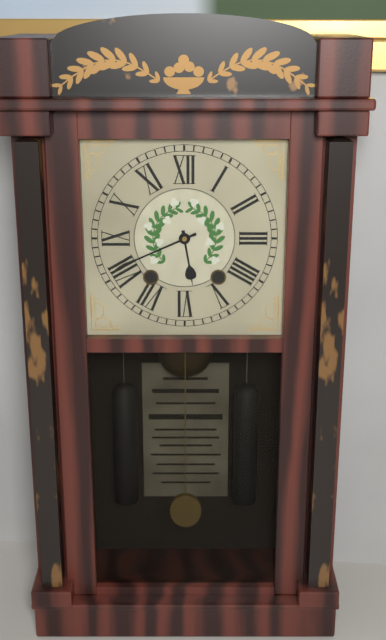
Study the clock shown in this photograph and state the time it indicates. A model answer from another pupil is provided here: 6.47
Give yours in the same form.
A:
5.41
